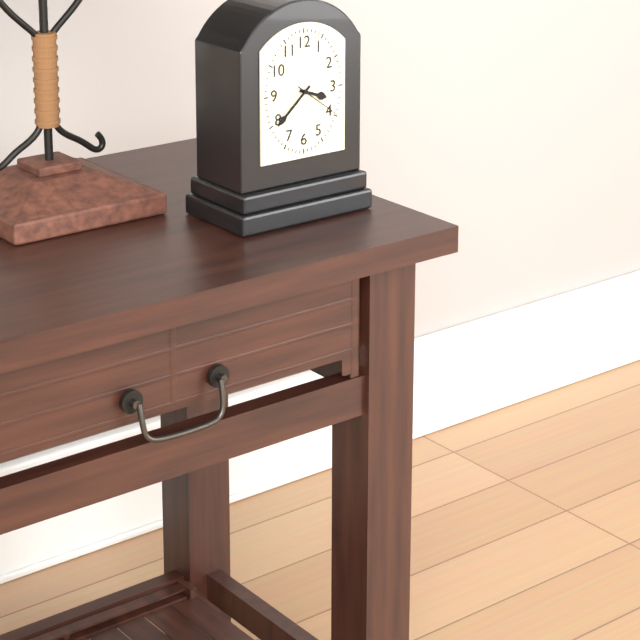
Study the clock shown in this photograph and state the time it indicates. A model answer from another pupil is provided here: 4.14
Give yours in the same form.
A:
3.38
